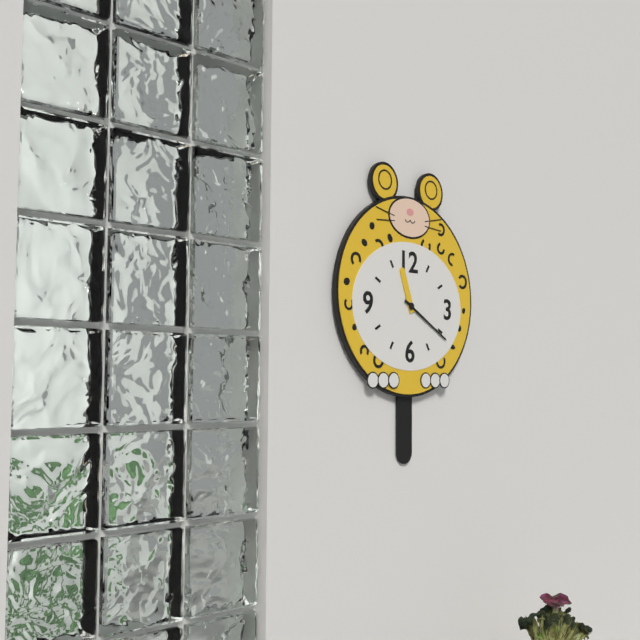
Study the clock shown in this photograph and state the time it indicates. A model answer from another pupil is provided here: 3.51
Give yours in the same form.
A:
11.20
